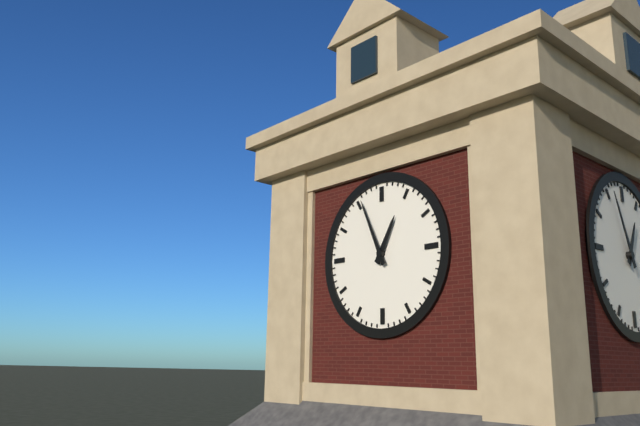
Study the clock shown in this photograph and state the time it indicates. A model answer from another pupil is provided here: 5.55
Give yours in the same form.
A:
12.56
